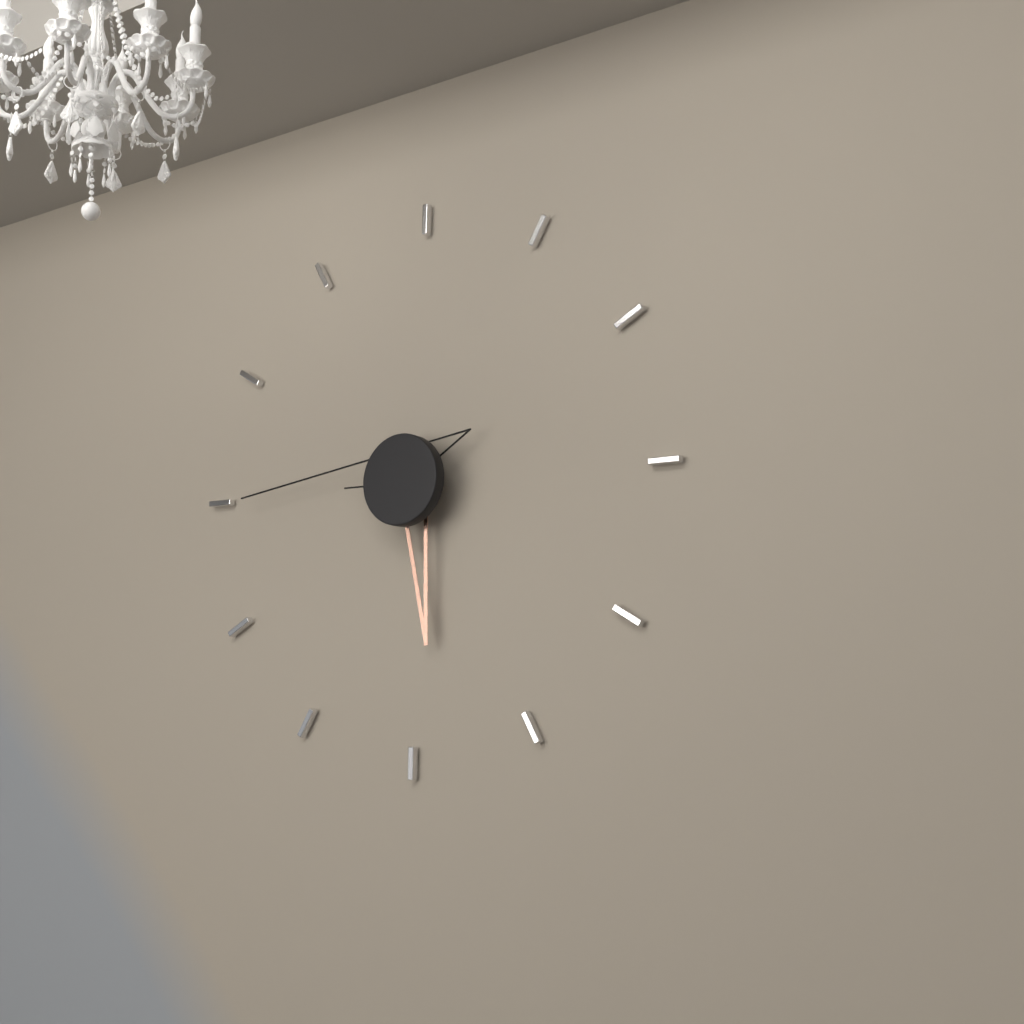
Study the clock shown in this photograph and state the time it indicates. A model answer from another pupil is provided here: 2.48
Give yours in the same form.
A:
5.45
